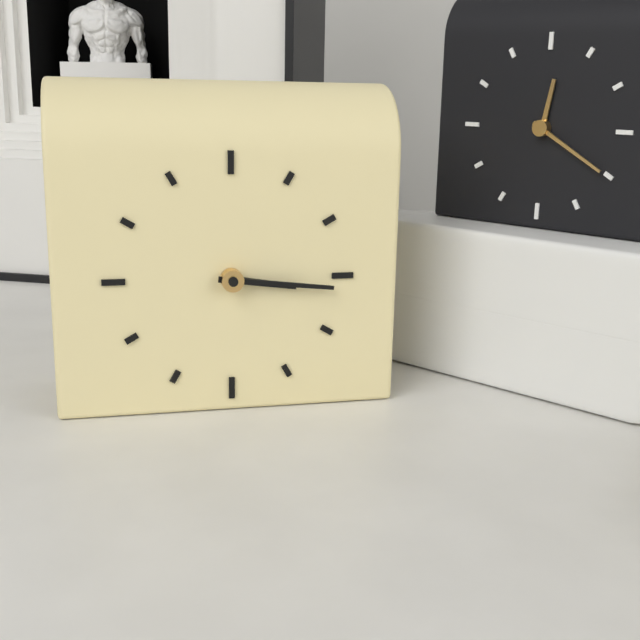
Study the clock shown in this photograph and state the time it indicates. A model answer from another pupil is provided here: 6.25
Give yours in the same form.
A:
3.16
